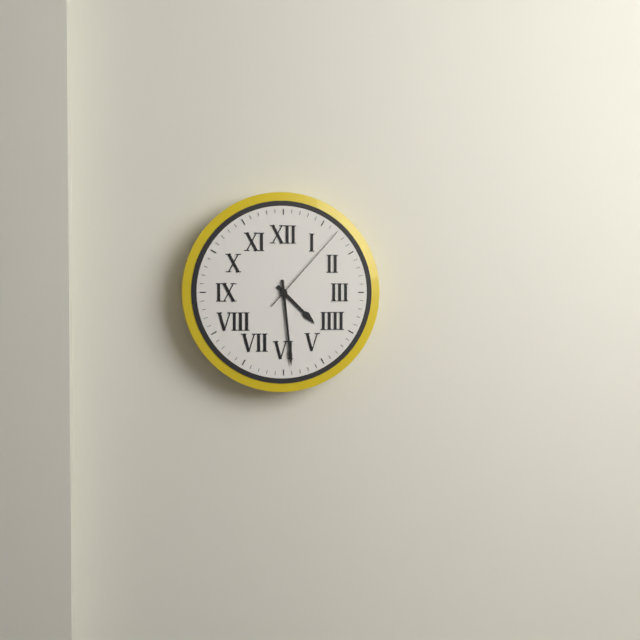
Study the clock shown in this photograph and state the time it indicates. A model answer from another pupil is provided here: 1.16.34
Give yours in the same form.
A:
4.29.07
